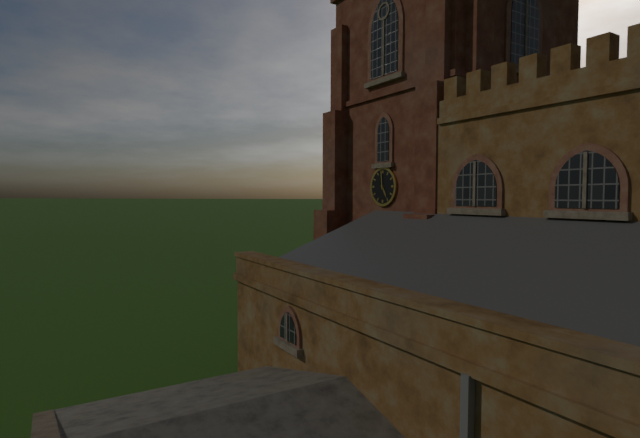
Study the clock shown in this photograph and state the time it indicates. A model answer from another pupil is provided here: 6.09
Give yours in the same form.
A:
4.59
